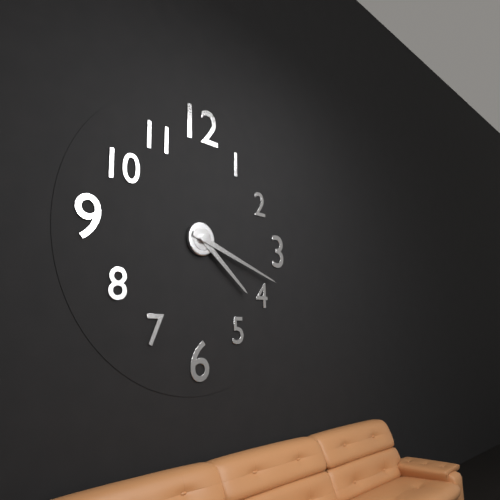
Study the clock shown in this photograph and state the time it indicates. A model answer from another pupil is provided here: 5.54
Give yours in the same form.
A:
4.18
